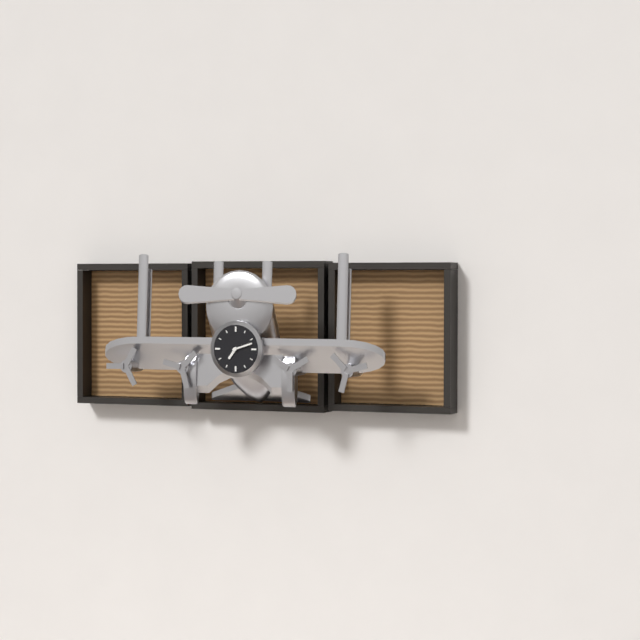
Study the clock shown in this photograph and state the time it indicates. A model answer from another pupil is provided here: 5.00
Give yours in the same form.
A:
7.12
